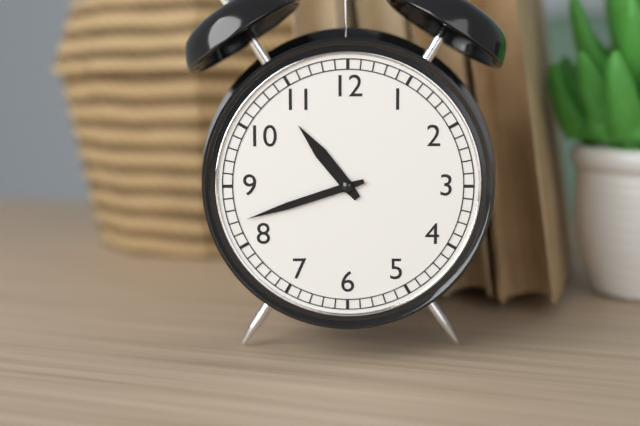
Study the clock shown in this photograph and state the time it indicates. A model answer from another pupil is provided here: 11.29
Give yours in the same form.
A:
10.42
